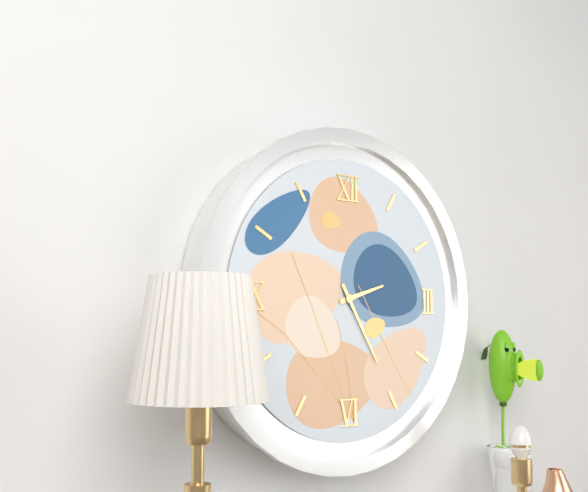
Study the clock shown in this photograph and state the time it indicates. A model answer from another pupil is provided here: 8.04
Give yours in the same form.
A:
2.25
